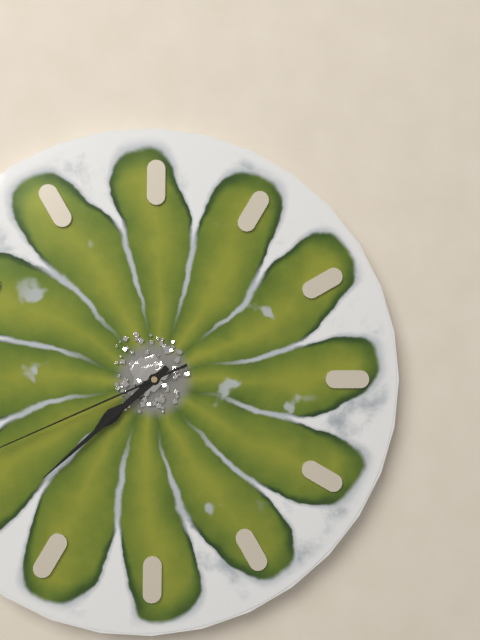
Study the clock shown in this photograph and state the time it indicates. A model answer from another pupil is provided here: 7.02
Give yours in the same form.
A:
7.38
